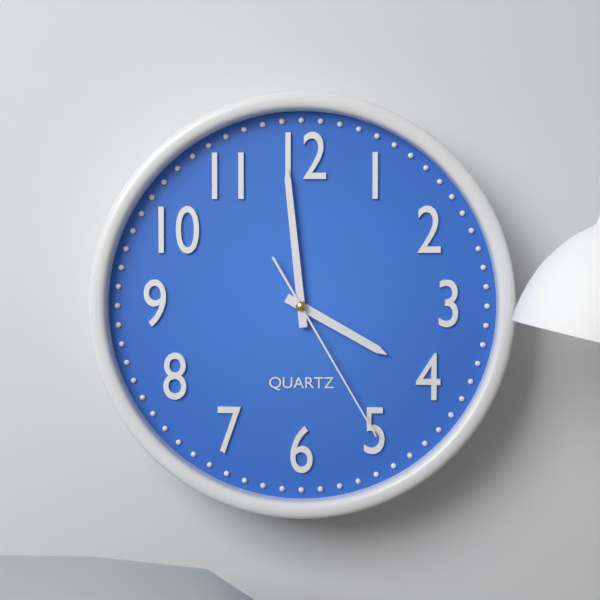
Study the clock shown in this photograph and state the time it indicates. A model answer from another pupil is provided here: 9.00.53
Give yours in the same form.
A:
3.59.25
